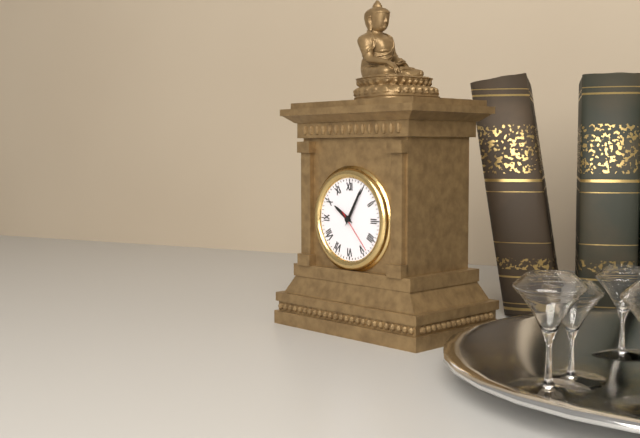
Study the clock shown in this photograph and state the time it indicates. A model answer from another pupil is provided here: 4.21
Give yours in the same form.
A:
10.05
